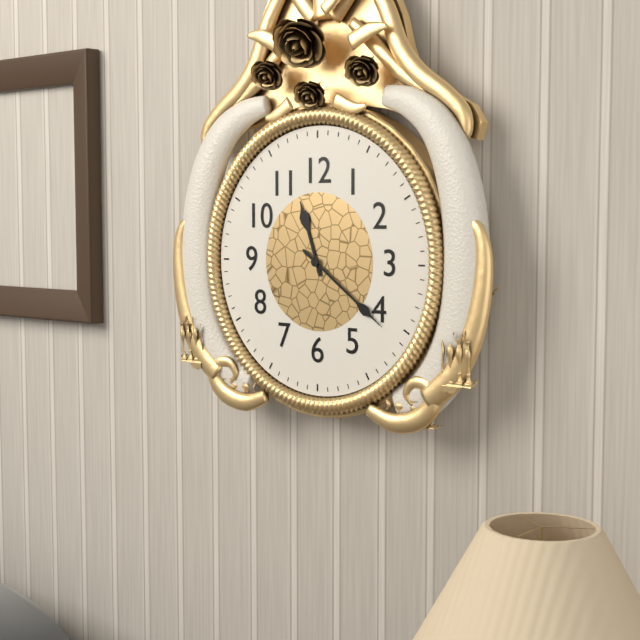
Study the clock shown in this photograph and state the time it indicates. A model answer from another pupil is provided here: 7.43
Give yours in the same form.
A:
11.21
